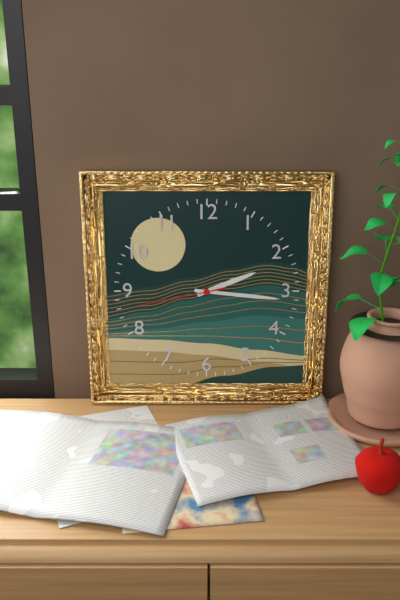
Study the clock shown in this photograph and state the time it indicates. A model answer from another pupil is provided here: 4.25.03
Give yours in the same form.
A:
2.16.43
